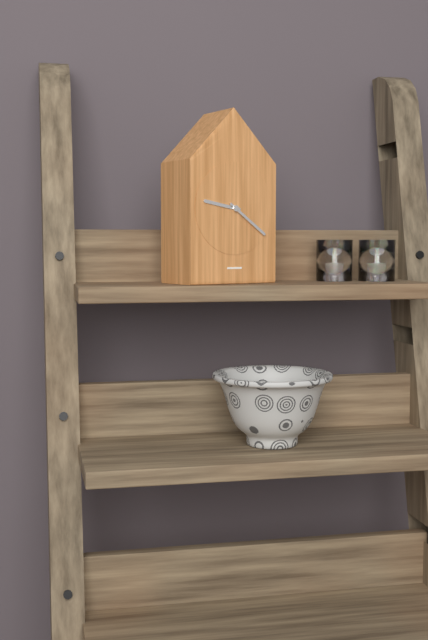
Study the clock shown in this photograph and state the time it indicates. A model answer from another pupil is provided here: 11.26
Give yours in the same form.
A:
9.21
